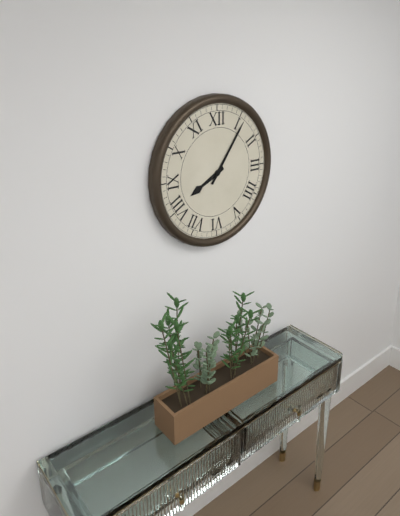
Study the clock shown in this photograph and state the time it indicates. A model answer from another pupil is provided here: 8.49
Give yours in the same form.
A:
8.06
